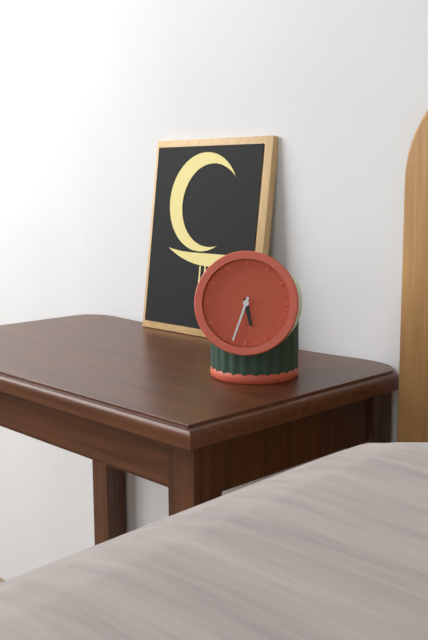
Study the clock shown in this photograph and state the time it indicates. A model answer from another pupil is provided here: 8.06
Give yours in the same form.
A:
5.33
